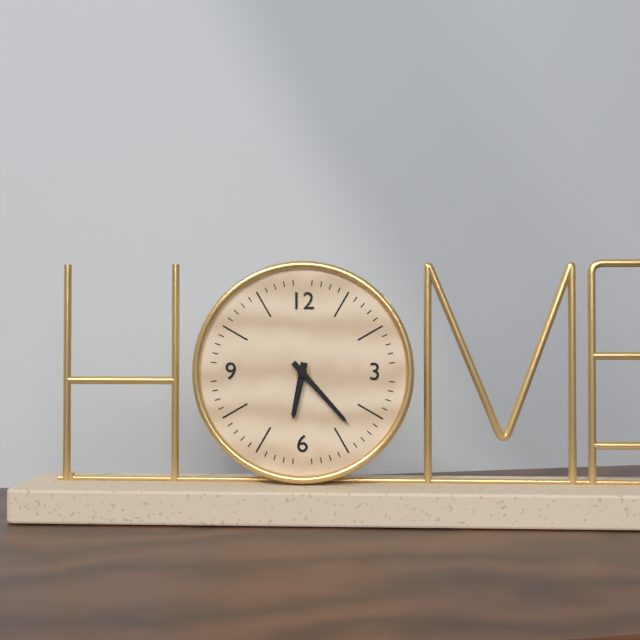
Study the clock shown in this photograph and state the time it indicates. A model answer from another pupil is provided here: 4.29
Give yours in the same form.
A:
6.23
